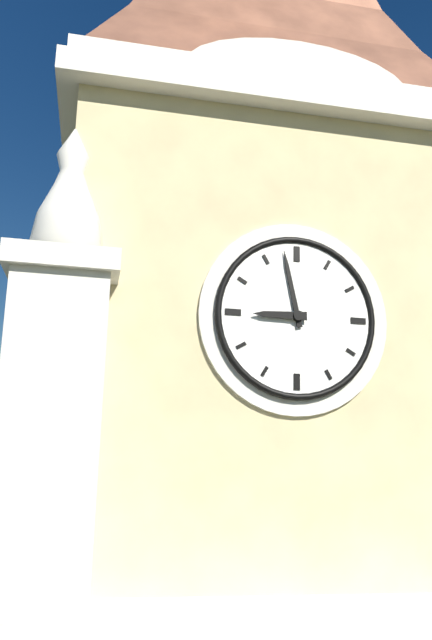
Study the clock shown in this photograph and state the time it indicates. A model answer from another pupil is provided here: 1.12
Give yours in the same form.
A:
8.58
